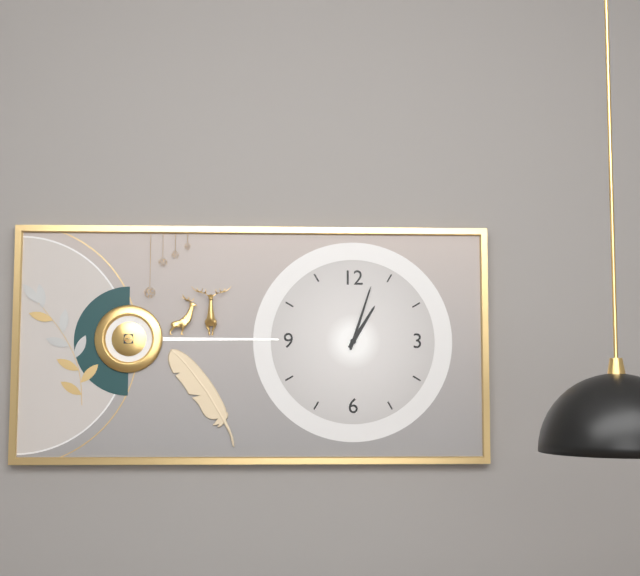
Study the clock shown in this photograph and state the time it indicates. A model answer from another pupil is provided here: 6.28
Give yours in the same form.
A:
1.03
